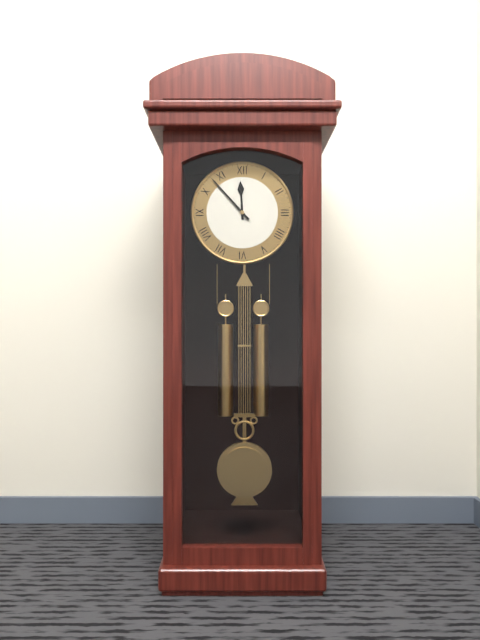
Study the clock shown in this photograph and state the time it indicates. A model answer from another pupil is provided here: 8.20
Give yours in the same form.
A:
11.53
